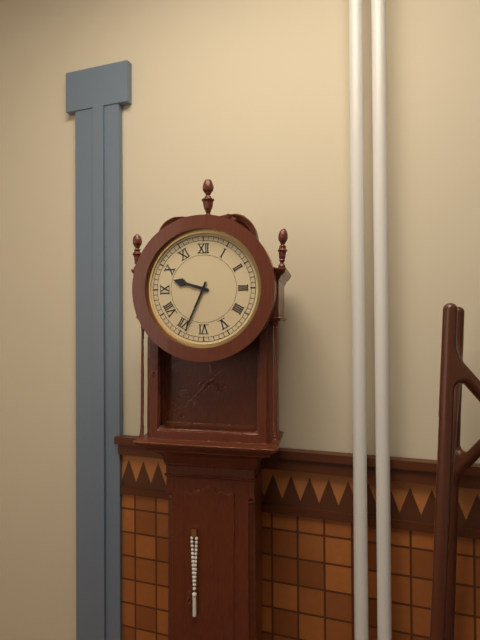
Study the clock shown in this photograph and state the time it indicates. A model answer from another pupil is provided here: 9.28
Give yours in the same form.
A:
9.34
